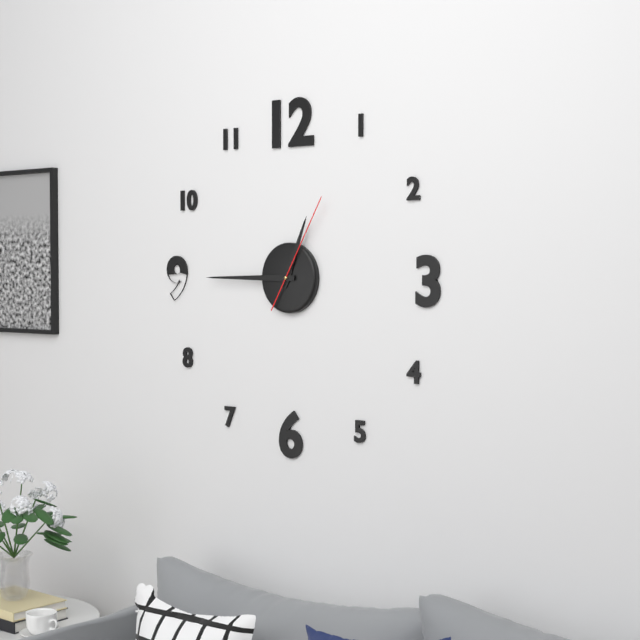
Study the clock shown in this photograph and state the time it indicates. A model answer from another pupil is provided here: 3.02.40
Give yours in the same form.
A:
12.45.05
